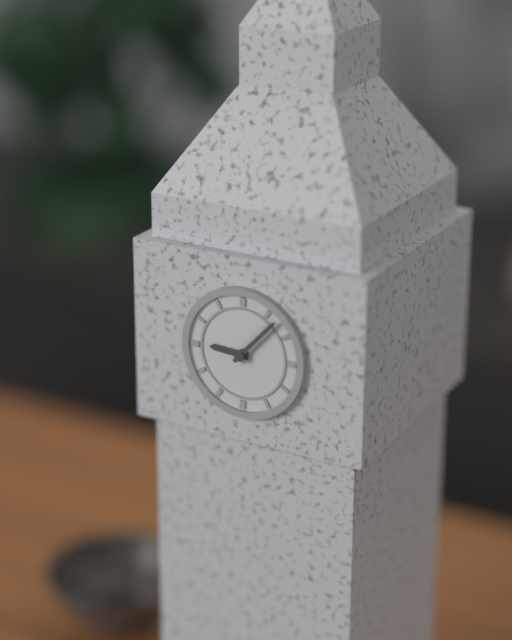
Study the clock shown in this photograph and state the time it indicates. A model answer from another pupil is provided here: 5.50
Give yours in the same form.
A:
9.07
